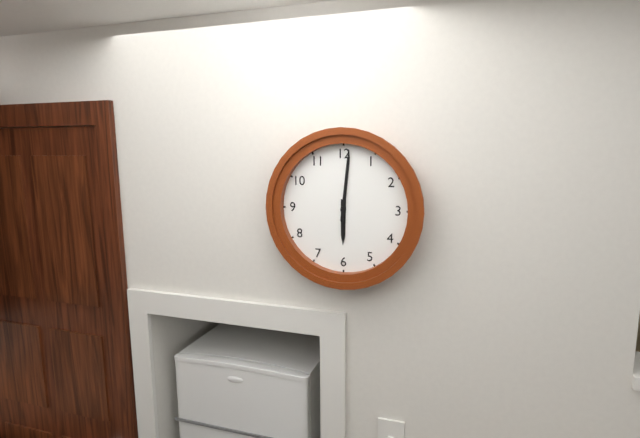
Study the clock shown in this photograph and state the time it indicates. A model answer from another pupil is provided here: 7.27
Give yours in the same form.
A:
6.01
